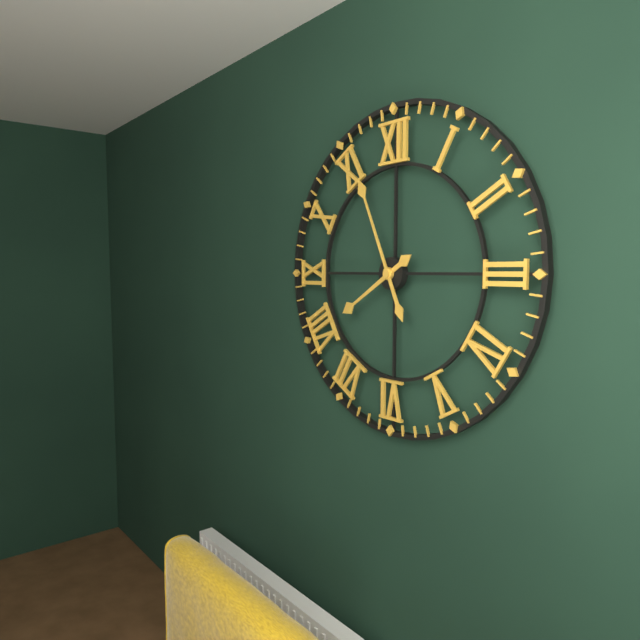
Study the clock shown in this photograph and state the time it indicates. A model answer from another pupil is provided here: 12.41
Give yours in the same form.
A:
7.56
